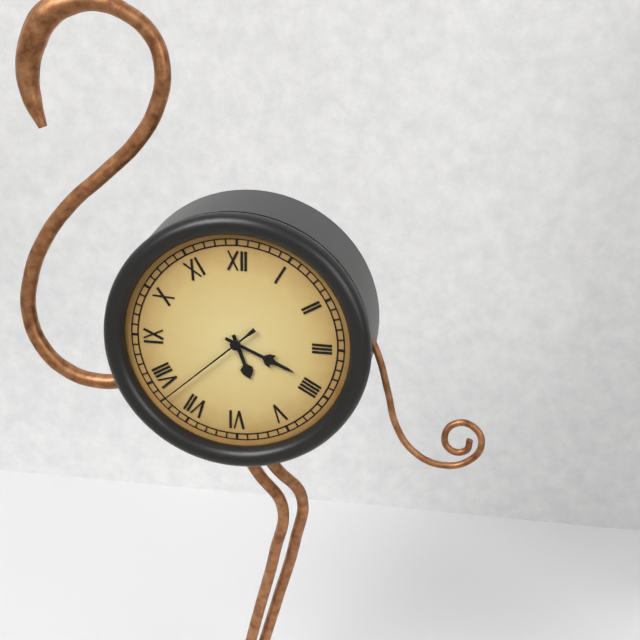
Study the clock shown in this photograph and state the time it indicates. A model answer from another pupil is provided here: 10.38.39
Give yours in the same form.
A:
5.19.38
